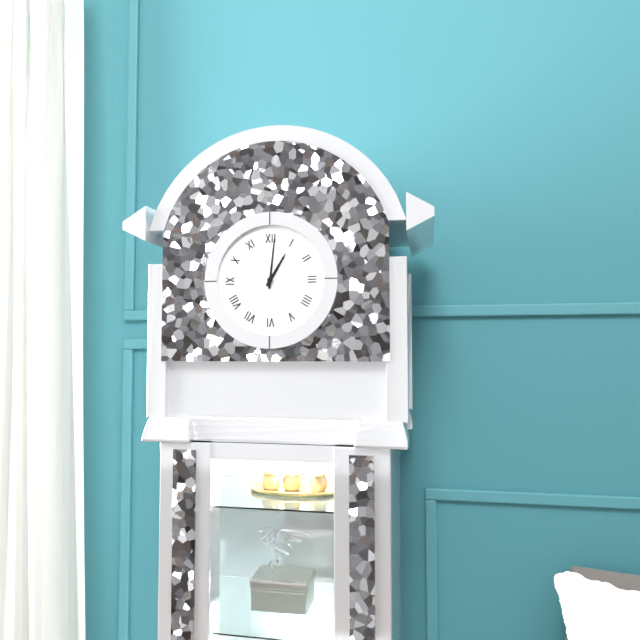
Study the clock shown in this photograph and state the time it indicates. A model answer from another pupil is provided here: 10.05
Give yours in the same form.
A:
1.01
